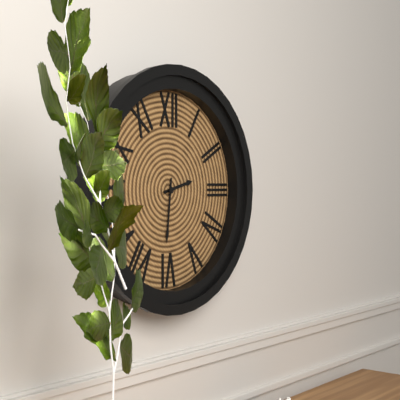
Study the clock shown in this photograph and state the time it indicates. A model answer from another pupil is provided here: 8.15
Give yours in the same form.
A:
2.31
